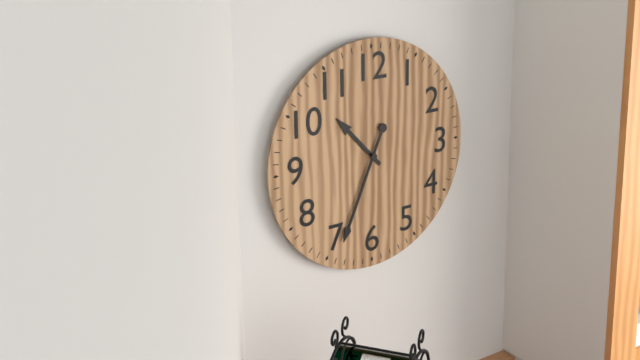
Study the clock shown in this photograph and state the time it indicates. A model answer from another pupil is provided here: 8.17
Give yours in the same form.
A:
10.34
